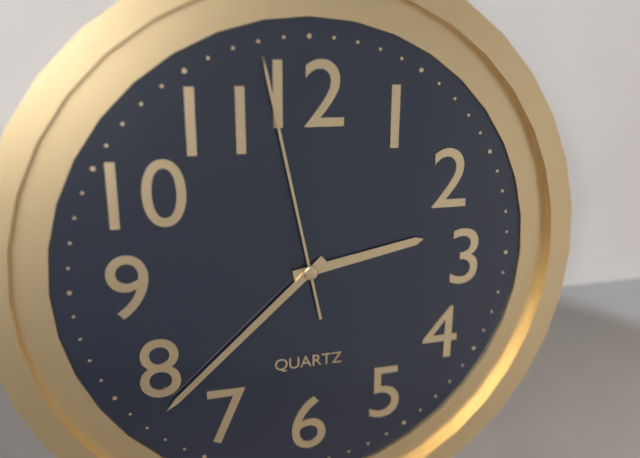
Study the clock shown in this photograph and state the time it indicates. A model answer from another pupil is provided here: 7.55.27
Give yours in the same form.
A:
2.38.58
